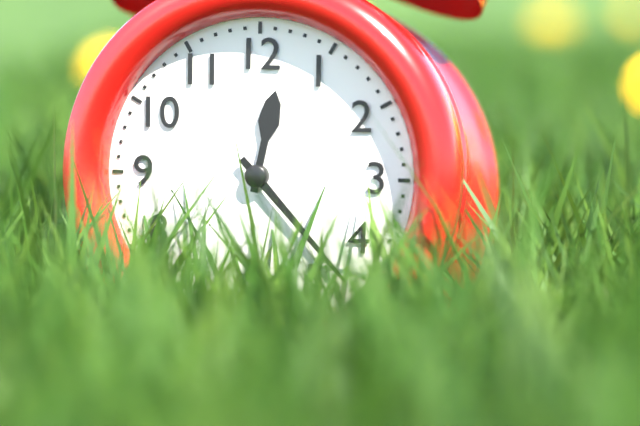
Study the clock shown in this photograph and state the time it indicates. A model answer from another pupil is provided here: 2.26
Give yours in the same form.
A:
12.23
